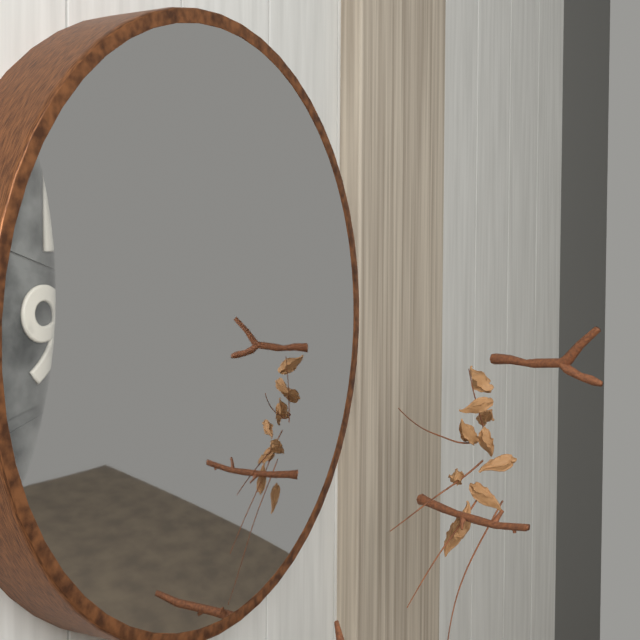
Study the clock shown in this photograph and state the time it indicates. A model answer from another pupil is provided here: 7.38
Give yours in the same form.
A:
12.59
